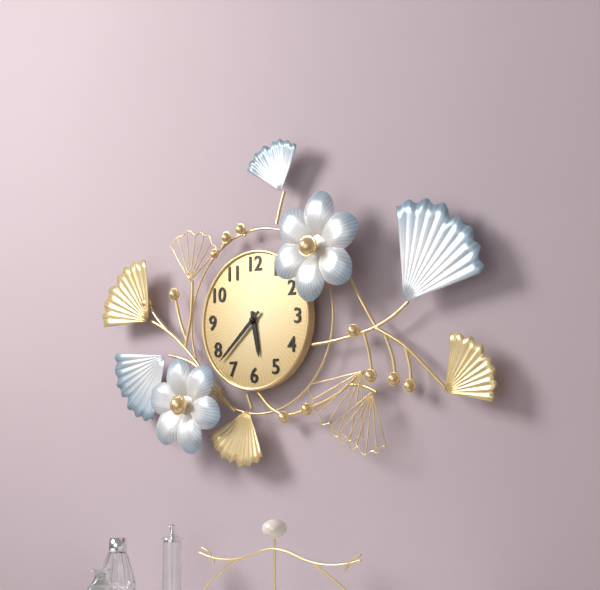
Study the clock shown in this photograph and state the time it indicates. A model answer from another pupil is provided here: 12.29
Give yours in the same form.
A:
5.38
